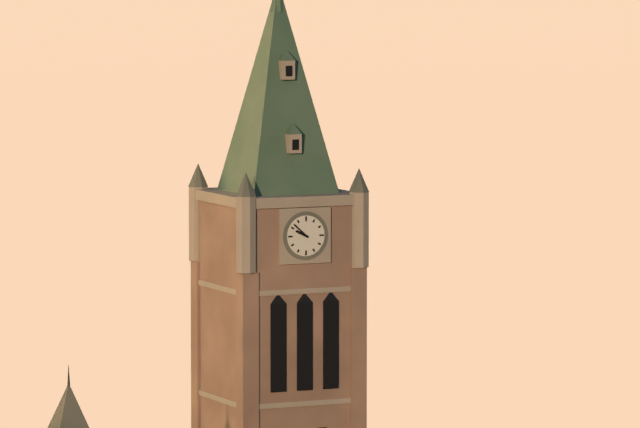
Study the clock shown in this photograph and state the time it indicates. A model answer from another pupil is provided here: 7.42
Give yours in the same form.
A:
9.52
